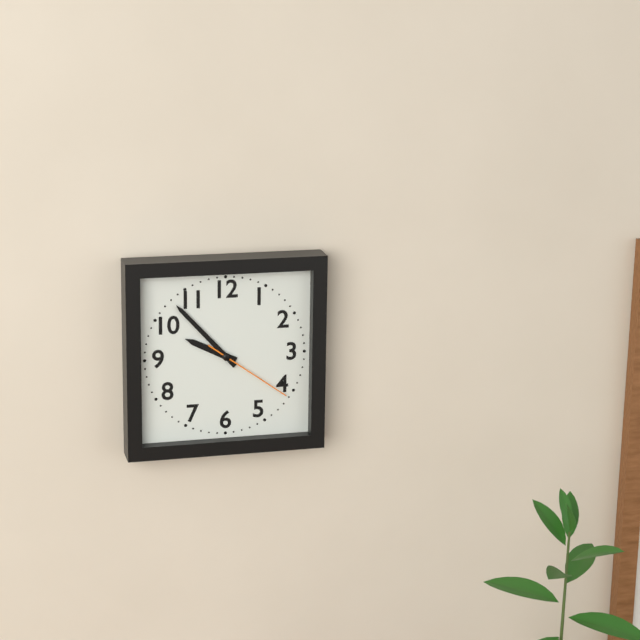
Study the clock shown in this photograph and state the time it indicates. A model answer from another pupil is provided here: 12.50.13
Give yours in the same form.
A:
9.53.21
